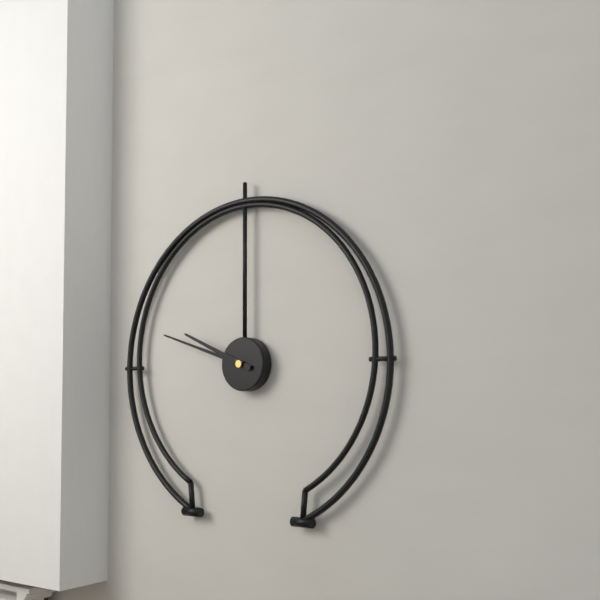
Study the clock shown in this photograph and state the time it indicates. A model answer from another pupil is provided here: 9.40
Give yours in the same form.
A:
9.48
